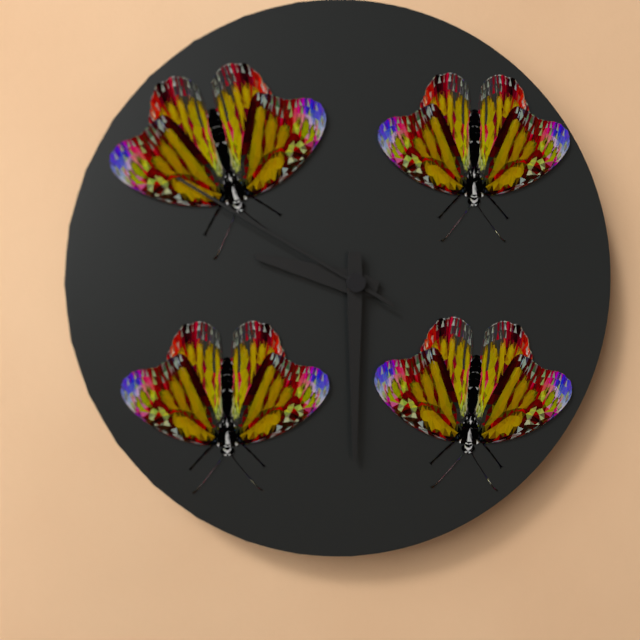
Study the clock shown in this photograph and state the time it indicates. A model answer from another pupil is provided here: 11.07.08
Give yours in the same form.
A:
9.30.50
